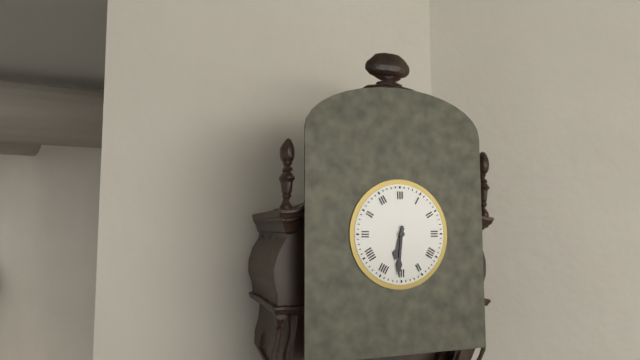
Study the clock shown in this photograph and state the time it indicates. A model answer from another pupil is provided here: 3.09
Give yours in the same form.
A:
6.31
